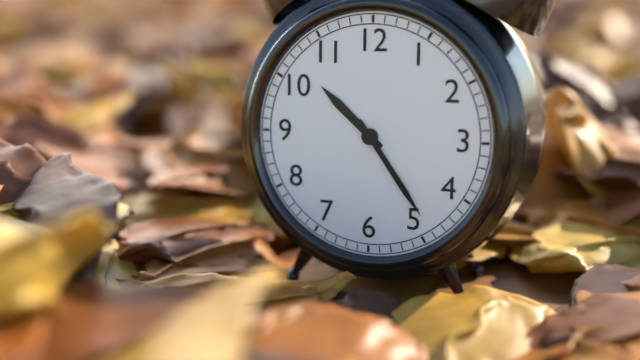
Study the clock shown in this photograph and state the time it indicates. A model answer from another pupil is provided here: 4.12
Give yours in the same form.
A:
10.24
